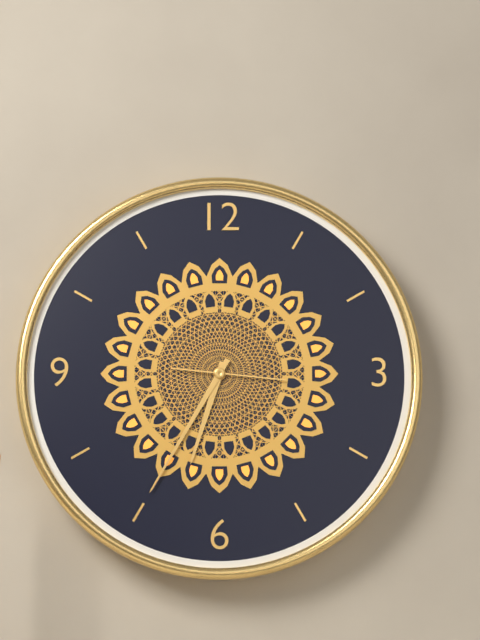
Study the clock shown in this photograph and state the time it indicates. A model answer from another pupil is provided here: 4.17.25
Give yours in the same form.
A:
6.35.16
